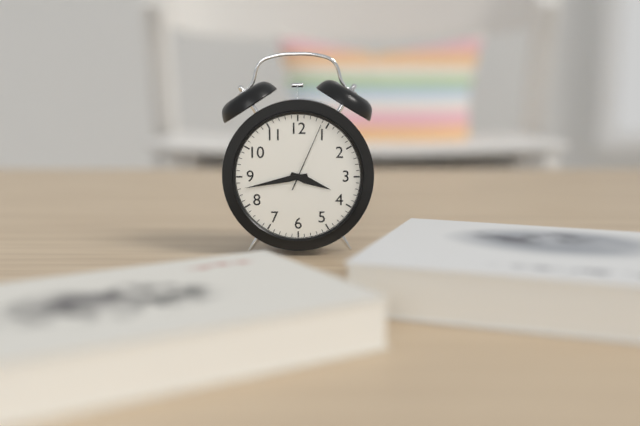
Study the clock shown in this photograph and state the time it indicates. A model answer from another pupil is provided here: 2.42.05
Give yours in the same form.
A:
3.43.04
